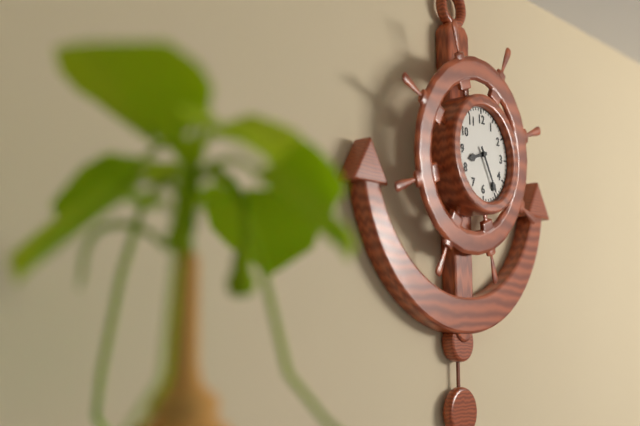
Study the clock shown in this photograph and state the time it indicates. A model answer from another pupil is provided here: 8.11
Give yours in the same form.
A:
8.25
